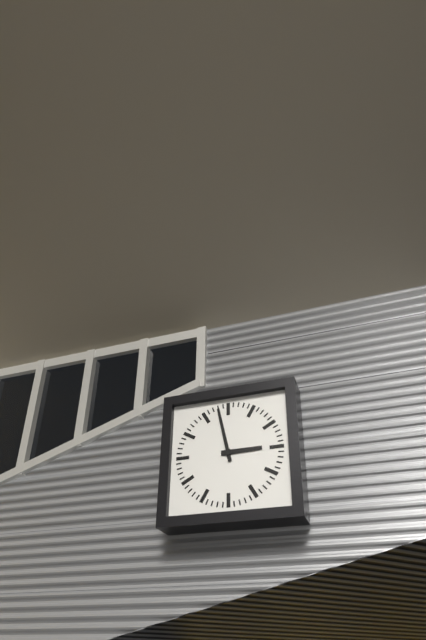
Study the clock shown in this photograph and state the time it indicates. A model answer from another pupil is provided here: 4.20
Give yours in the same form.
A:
2.58
